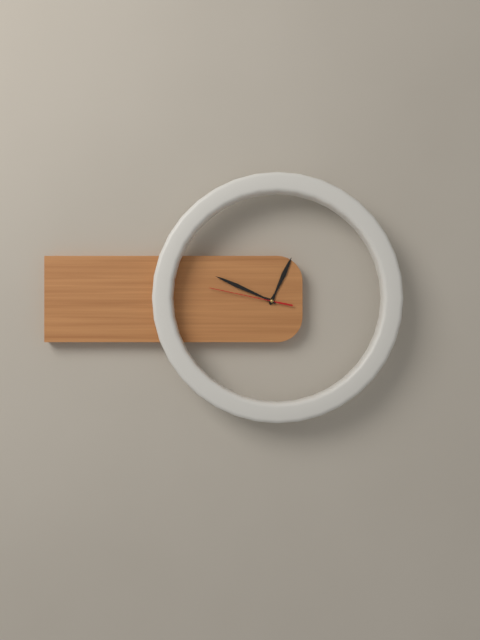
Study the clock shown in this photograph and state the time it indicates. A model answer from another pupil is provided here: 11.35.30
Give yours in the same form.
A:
12.49.47
